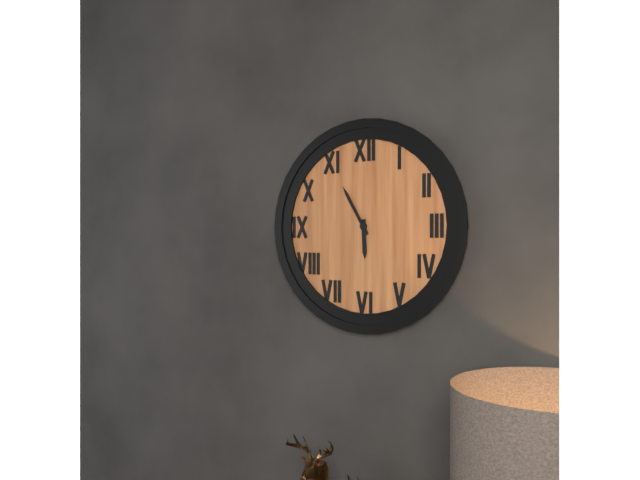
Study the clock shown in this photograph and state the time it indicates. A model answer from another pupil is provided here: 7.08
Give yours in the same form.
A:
5.55
